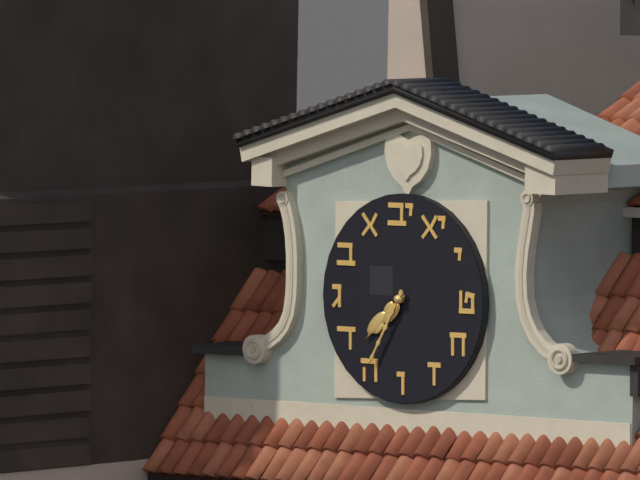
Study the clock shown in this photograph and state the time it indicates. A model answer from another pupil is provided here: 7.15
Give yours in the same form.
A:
7.35
